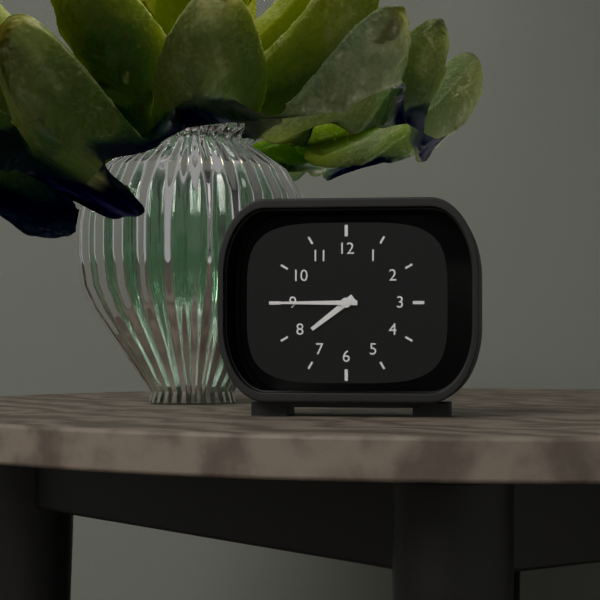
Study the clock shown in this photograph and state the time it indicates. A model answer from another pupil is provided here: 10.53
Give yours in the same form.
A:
7.45
